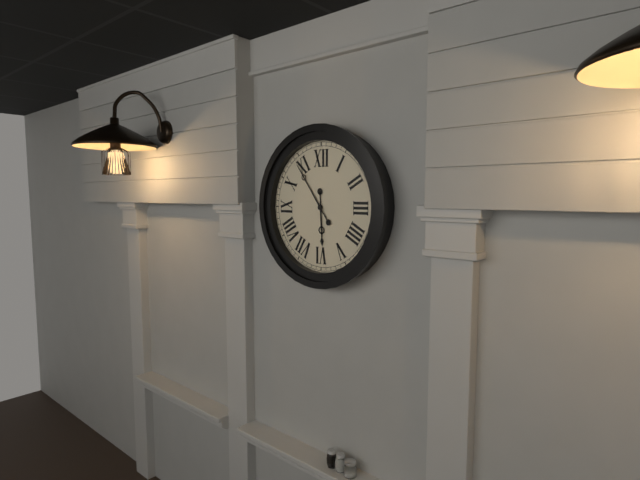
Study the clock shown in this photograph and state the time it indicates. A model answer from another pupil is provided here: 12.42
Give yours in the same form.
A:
5.54
